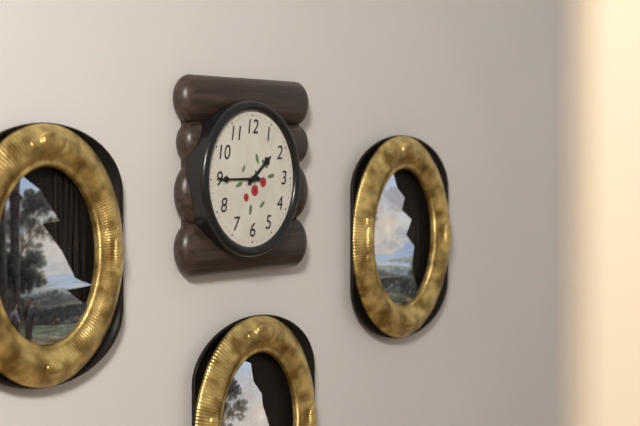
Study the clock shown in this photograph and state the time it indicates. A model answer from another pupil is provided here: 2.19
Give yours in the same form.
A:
1.45
